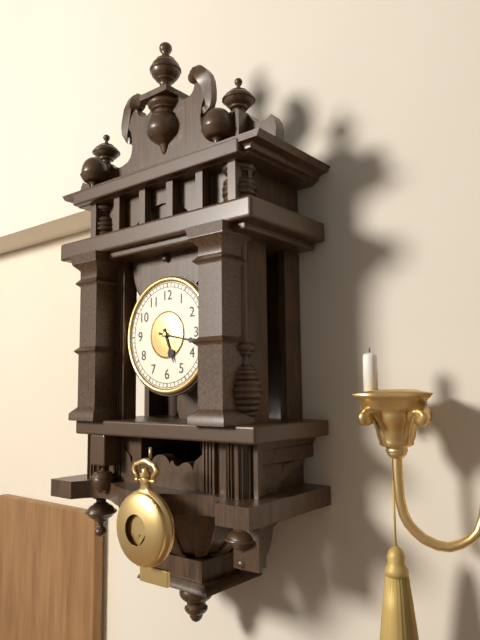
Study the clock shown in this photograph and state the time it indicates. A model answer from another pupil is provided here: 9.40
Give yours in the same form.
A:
5.17
